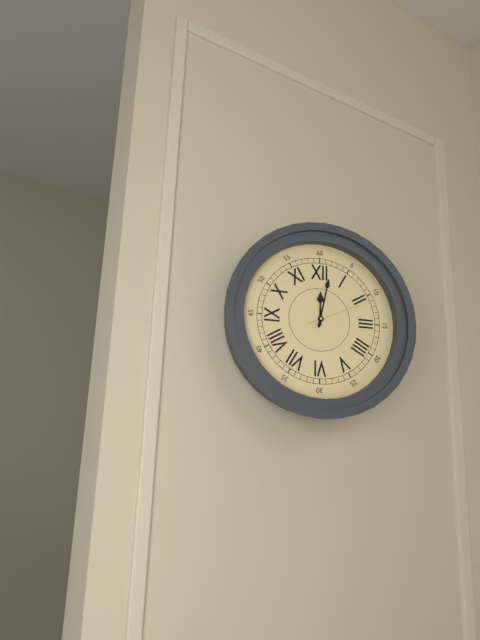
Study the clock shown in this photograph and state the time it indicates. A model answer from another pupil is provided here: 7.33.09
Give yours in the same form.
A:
12.02.11
